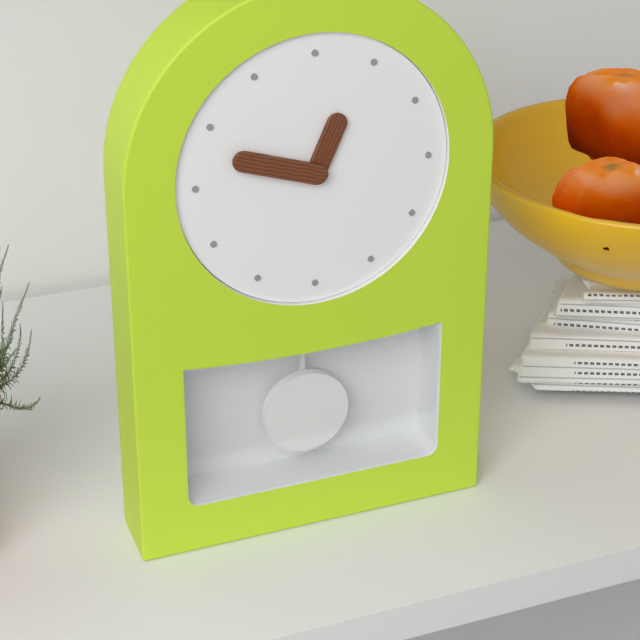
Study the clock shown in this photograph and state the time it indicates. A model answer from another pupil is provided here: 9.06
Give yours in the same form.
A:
12.48
